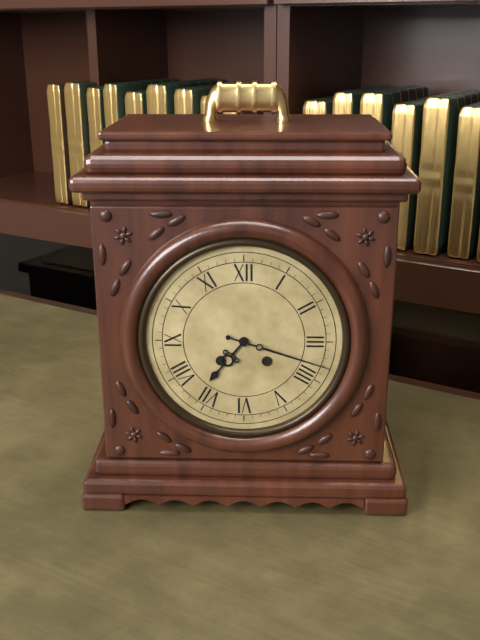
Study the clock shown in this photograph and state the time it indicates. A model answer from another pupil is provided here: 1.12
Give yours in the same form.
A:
7.18
